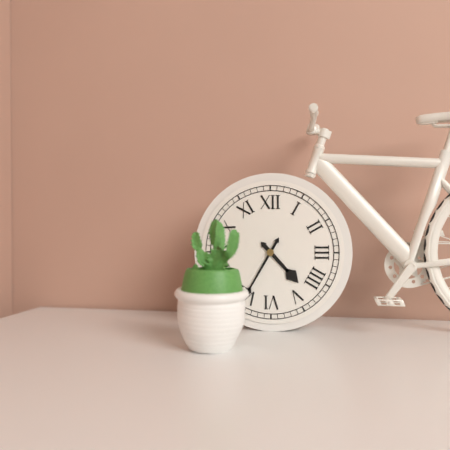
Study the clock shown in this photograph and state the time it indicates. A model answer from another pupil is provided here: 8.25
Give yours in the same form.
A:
4.35
